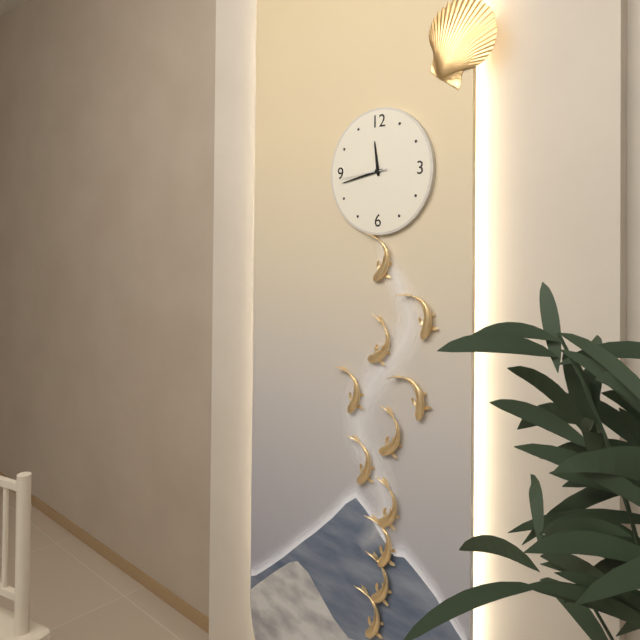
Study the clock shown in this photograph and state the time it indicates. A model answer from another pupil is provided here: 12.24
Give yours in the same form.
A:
11.43
